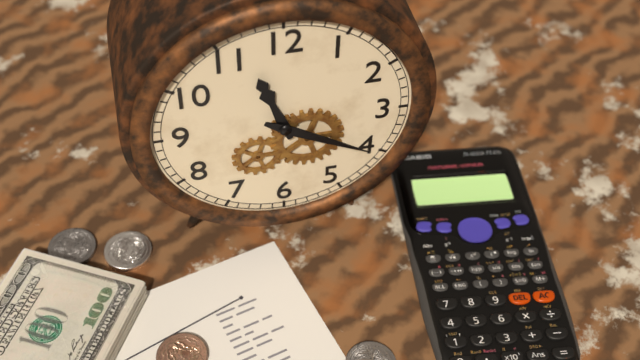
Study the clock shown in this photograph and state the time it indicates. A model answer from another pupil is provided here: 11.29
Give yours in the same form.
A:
11.20
